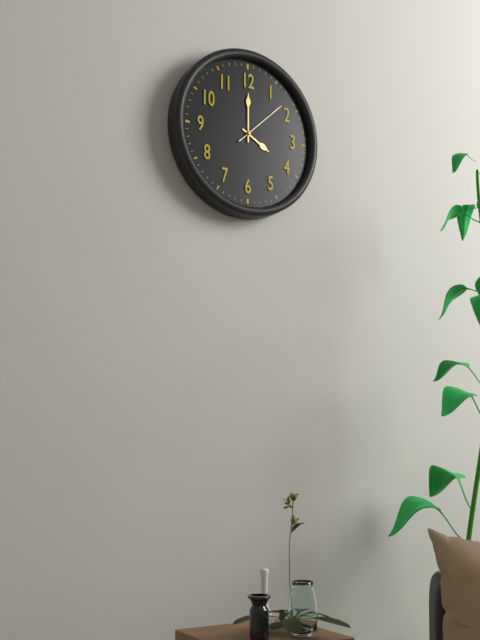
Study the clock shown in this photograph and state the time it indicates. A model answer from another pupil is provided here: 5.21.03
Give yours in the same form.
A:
4.00.08
